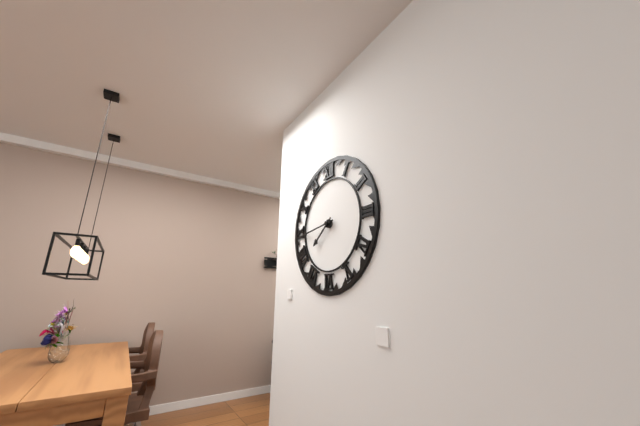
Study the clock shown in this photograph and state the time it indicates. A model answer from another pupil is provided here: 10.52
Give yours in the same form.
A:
7.44
